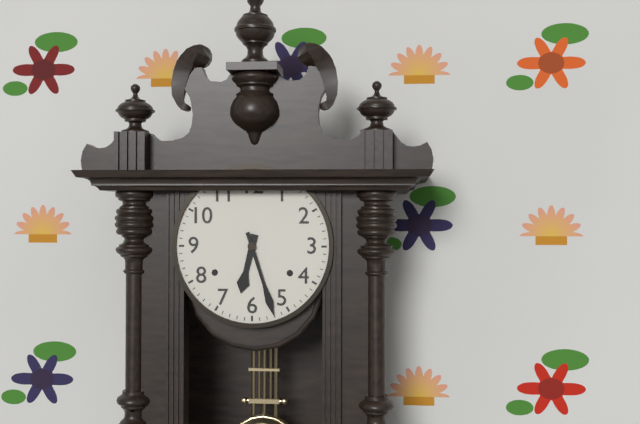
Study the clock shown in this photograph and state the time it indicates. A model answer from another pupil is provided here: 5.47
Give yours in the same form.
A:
6.27
